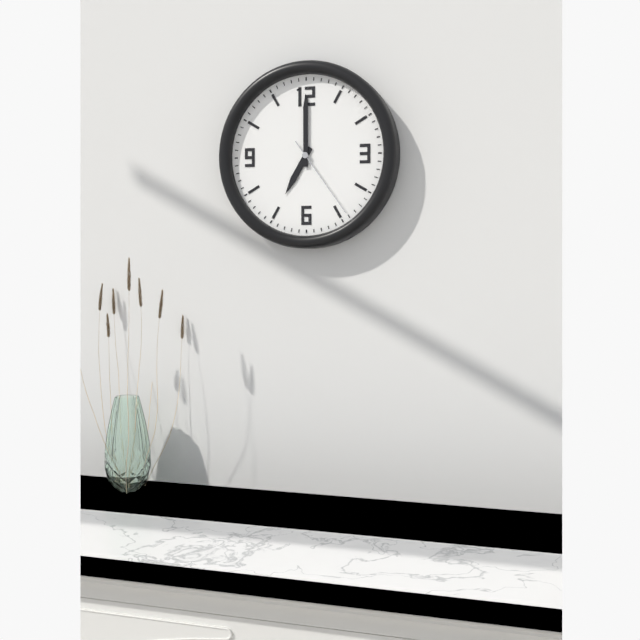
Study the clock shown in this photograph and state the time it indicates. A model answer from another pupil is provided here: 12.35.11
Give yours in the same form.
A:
7.00.24
